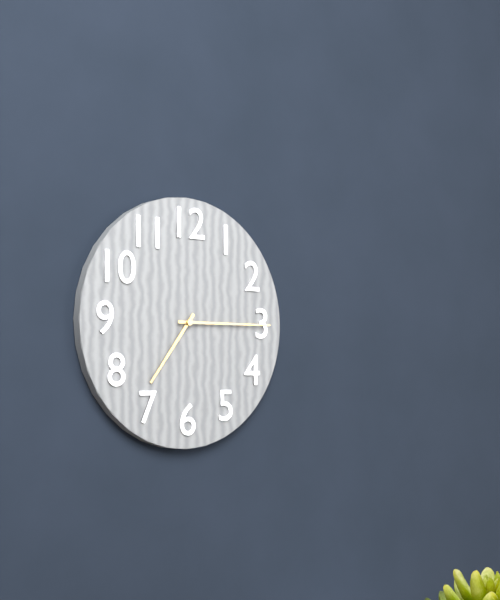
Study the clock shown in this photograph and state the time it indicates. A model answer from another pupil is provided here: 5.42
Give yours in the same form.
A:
7.15
